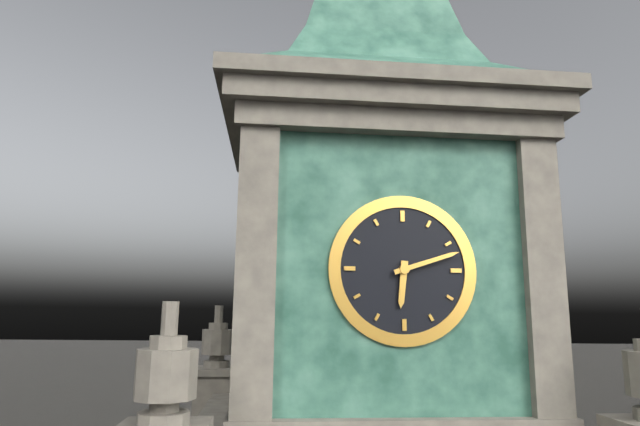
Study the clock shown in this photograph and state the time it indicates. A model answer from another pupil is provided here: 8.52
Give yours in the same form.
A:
6.12
